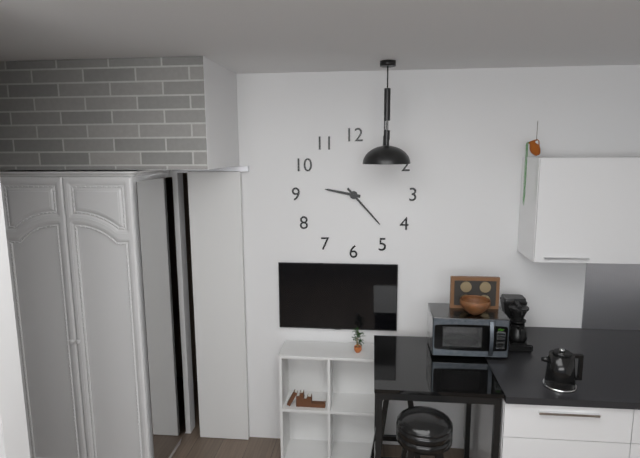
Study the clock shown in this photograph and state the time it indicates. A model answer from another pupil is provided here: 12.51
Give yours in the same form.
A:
9.23
